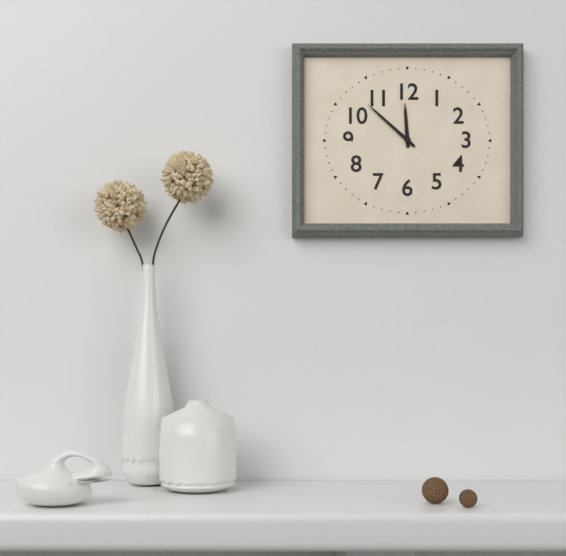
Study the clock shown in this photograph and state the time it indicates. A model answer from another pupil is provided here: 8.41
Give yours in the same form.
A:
11.52
